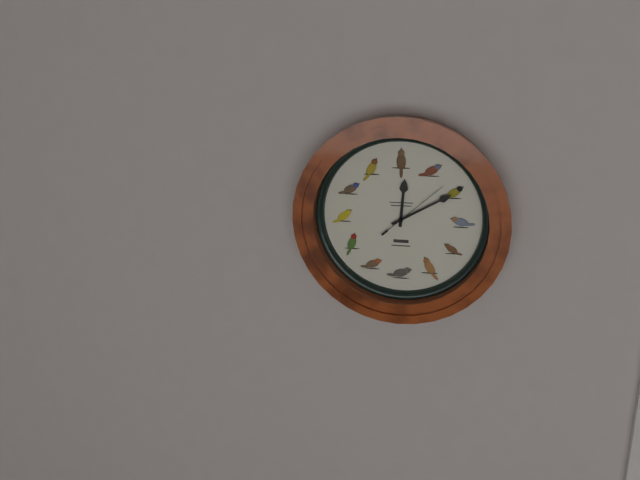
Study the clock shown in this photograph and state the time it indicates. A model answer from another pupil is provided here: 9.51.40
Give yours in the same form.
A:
12.10.08
